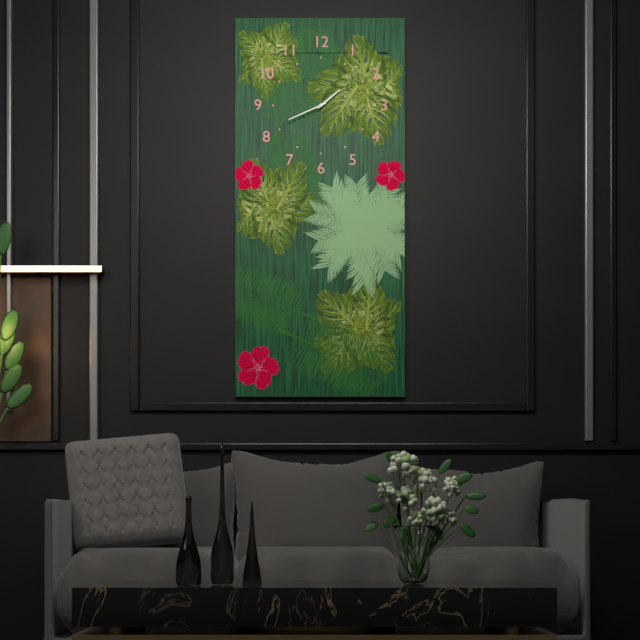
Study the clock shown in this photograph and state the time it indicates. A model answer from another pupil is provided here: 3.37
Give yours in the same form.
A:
1.41
